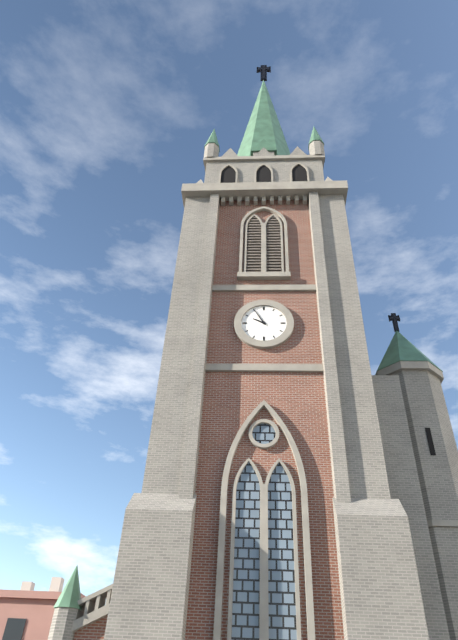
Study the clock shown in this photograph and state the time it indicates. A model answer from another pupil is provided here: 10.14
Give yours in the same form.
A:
9.55
